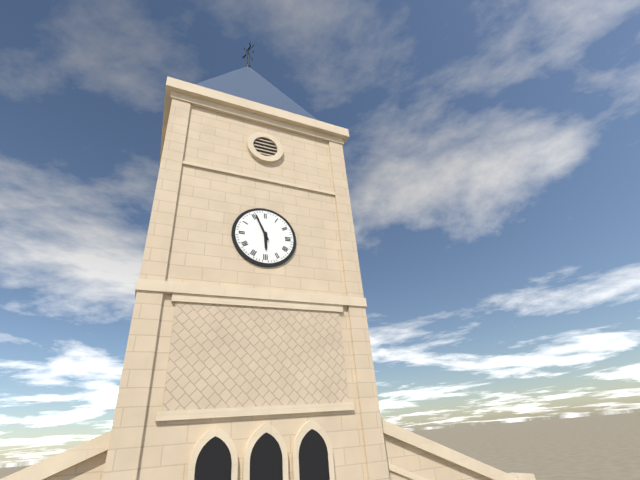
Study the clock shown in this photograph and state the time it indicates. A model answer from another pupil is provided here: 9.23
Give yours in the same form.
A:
5.56
